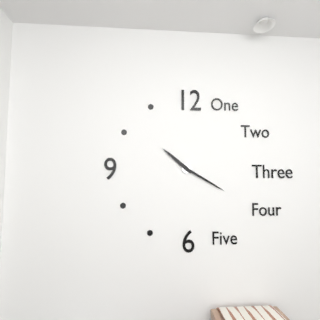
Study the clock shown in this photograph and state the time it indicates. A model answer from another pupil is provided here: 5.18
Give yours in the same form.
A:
10.20
